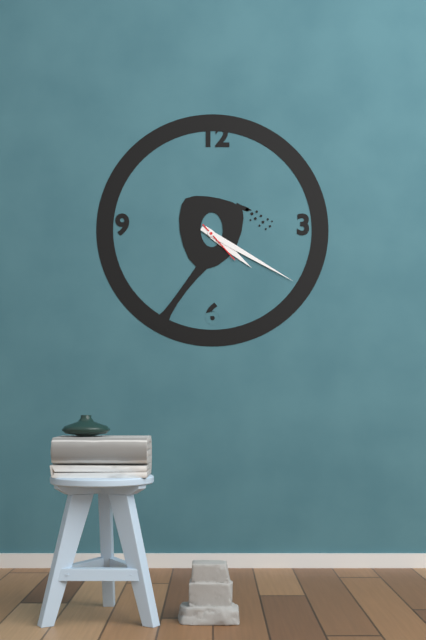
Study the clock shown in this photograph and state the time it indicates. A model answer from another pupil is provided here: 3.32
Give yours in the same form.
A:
4.20
